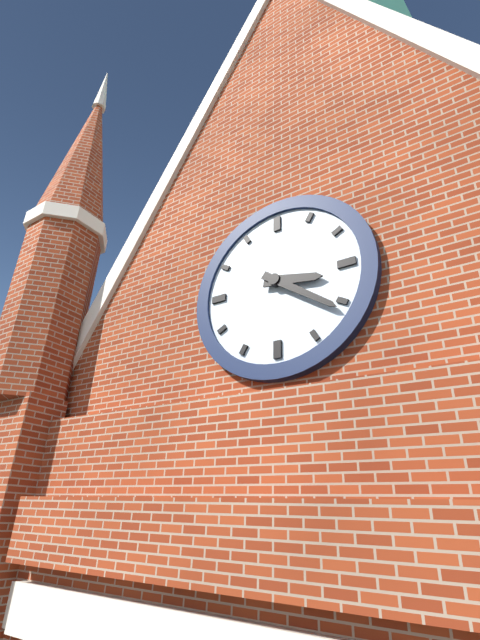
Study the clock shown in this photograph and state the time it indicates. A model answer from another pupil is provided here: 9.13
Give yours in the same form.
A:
3.21
